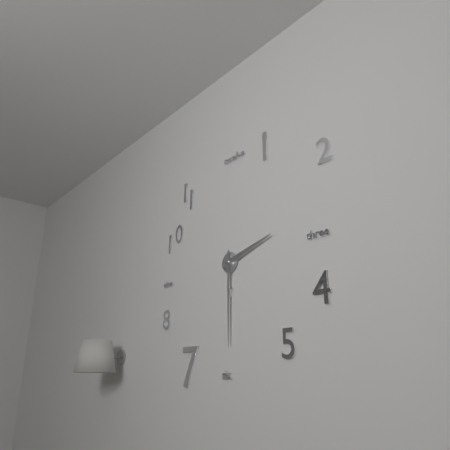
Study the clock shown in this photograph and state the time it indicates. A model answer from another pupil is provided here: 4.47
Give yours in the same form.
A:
2.30
